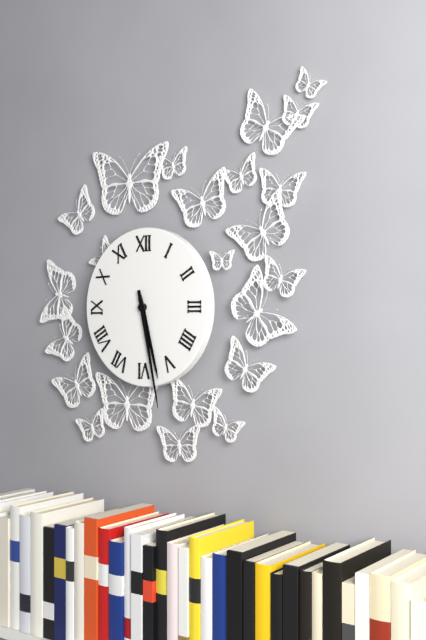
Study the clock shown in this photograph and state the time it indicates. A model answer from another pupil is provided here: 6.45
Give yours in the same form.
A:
5.28
